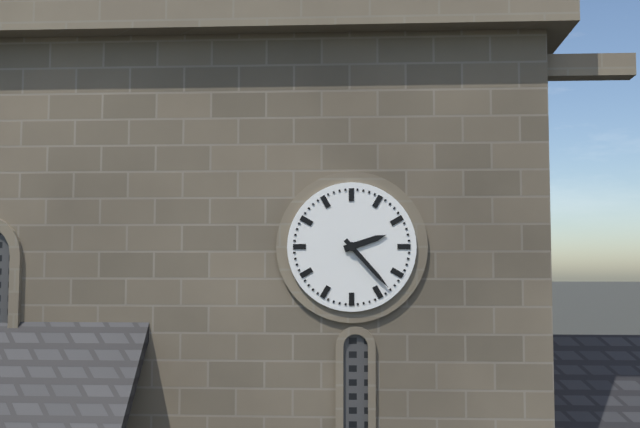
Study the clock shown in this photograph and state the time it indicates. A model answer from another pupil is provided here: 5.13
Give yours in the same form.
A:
2.23
